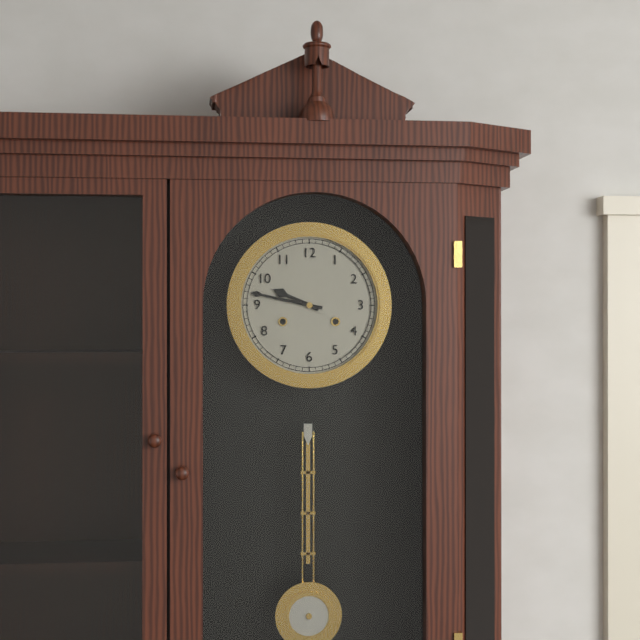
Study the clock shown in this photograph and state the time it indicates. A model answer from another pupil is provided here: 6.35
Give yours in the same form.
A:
9.47
